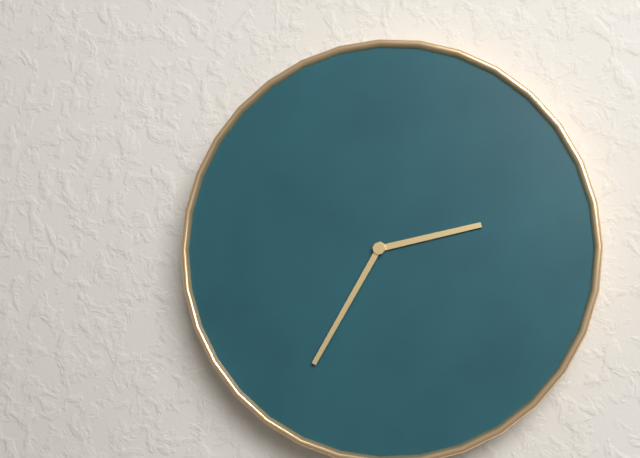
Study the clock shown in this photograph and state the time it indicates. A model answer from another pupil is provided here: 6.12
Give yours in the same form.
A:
2.35
